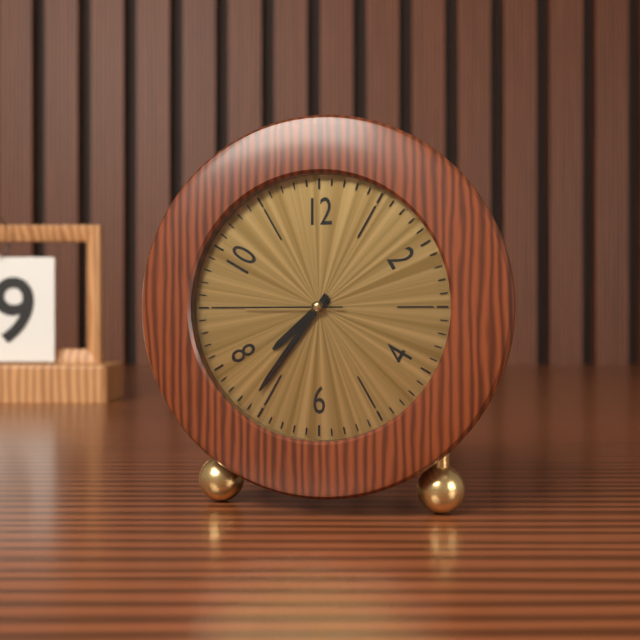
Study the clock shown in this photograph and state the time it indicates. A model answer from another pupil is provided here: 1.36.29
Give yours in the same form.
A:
7.36.45
